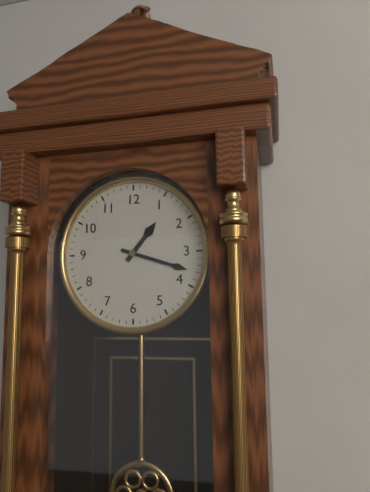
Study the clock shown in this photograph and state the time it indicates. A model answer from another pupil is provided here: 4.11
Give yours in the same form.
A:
1.18
